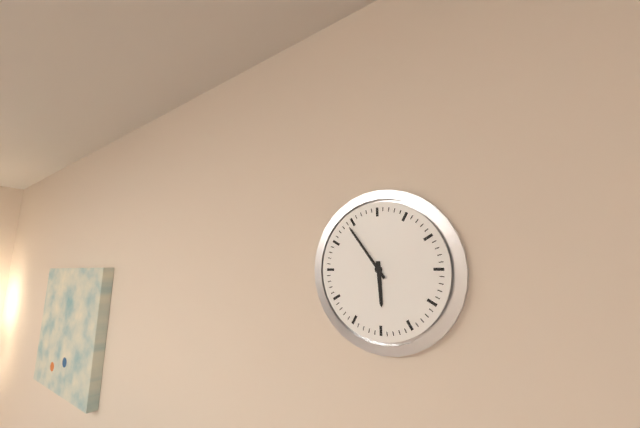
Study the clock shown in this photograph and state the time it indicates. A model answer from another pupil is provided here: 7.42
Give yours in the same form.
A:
5.54
